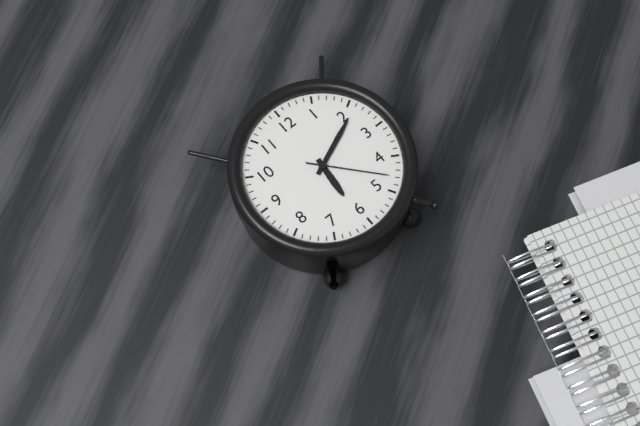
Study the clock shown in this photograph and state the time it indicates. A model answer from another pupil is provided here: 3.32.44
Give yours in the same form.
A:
6.11.23
